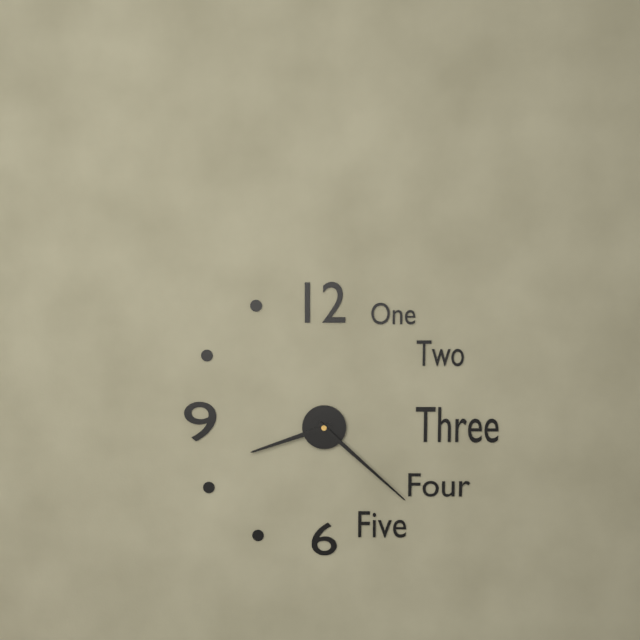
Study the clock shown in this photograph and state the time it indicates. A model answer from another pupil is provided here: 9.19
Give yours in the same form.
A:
8.22
